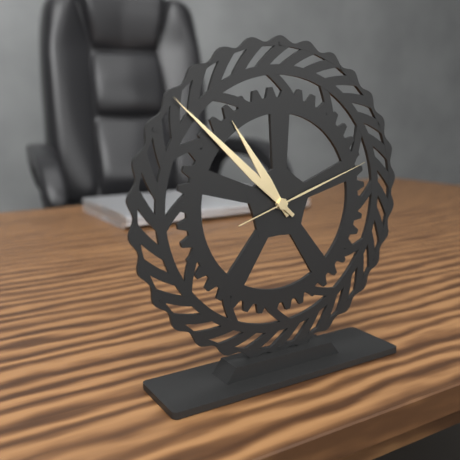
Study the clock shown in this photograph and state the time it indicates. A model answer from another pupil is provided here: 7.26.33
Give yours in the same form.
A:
10.52.12
